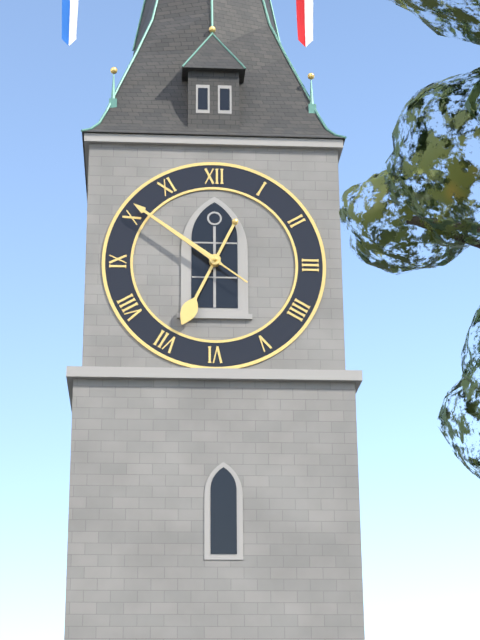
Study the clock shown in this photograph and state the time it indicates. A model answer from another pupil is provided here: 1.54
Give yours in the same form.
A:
6.51
